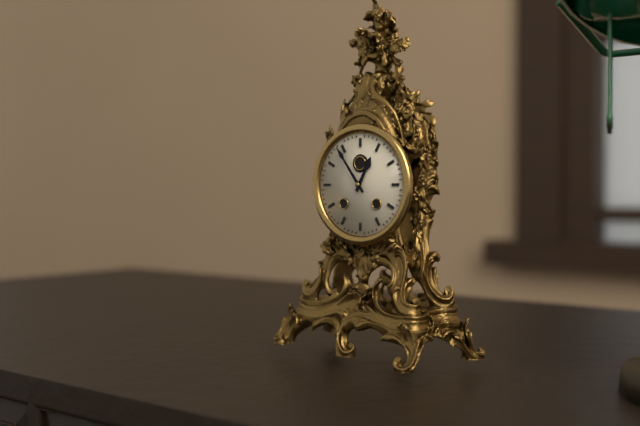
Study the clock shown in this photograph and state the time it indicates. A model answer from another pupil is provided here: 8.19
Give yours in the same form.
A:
12.54
